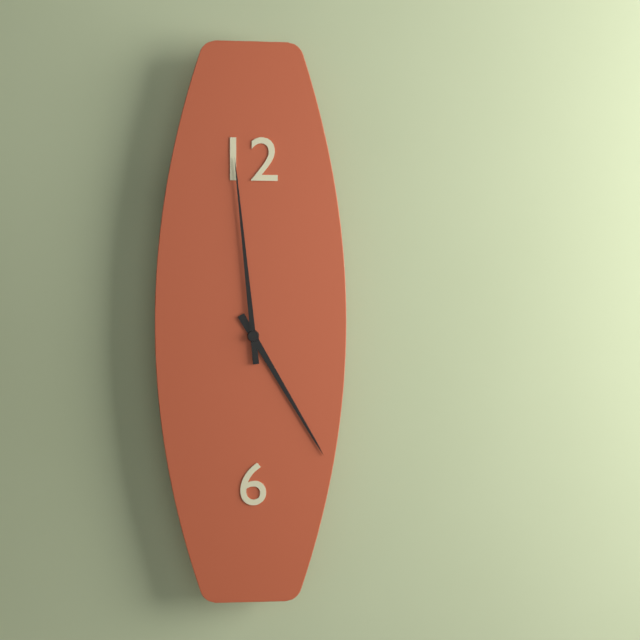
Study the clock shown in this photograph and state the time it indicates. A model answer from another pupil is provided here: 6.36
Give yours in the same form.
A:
4.59
